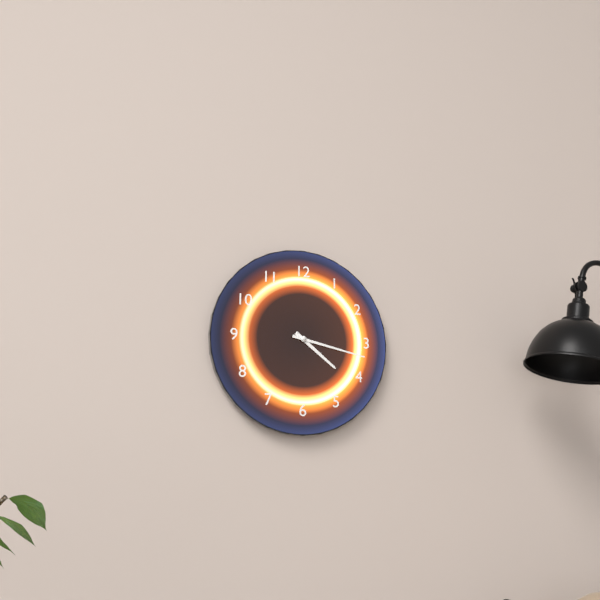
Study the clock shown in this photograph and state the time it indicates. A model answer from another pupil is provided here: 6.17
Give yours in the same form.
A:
4.17
